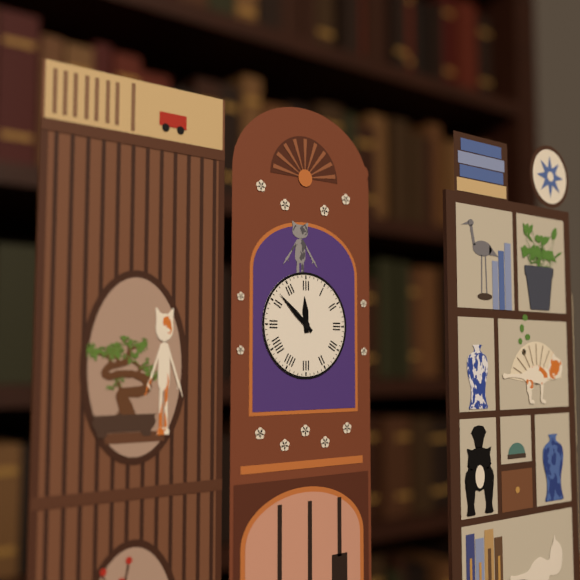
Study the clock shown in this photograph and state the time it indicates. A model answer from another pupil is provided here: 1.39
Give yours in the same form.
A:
11.52
